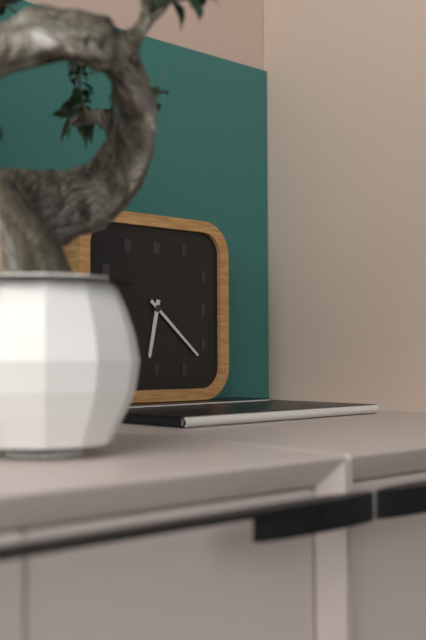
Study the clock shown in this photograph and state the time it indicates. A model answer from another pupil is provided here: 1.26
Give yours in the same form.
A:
6.22
